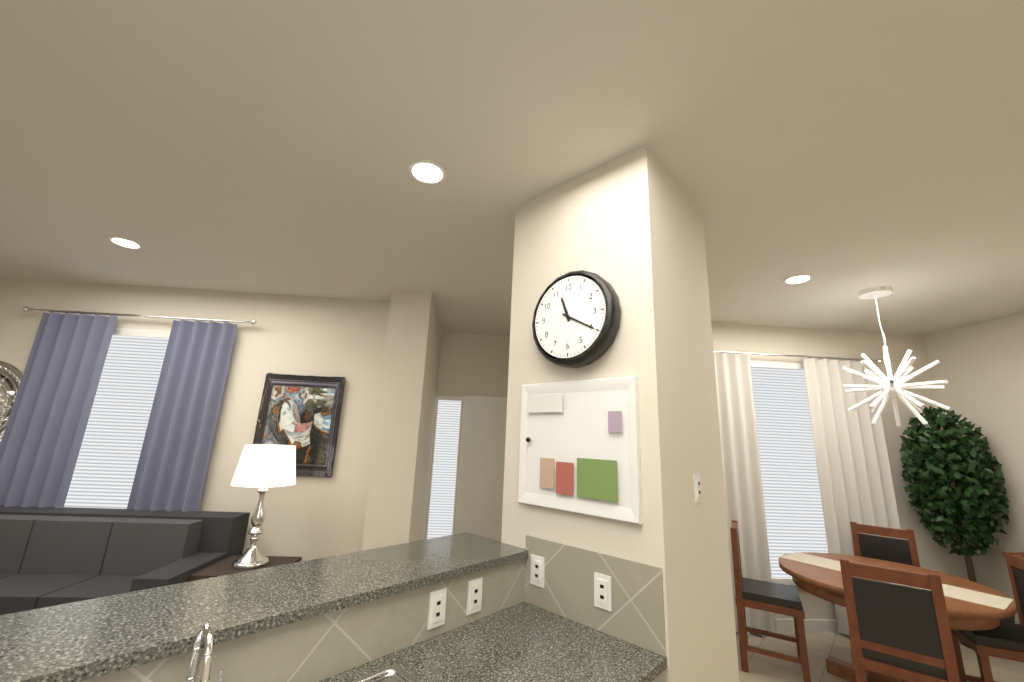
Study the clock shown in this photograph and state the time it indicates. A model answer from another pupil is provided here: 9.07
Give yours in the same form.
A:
11.20
